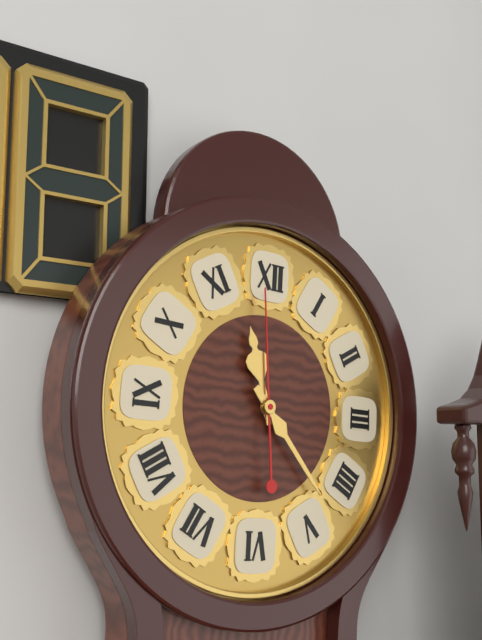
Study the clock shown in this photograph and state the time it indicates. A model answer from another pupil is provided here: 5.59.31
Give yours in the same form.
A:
11.23.59
